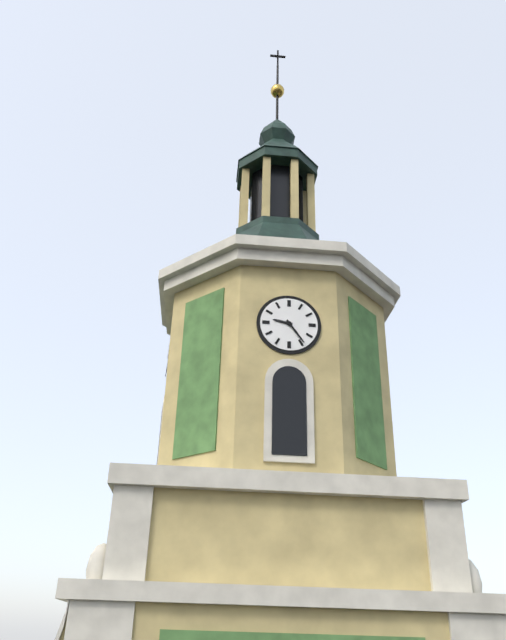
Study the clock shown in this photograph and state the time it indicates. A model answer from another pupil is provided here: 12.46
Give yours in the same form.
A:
9.24
